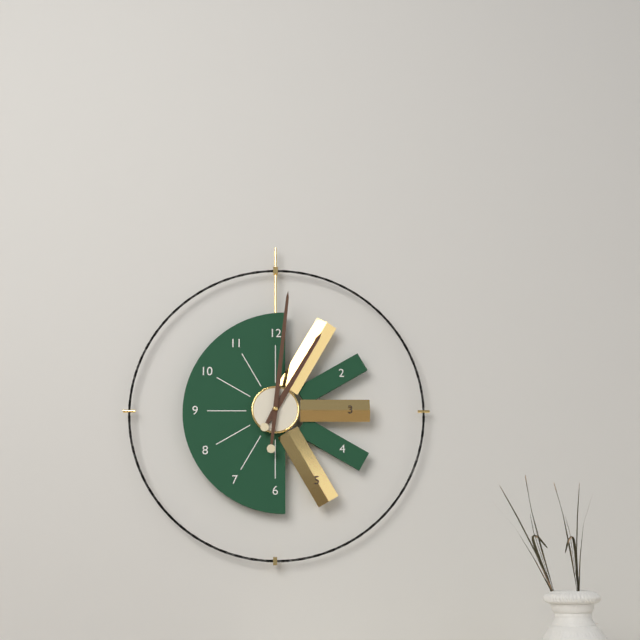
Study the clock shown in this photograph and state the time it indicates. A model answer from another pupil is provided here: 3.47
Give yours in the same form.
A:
1.01
